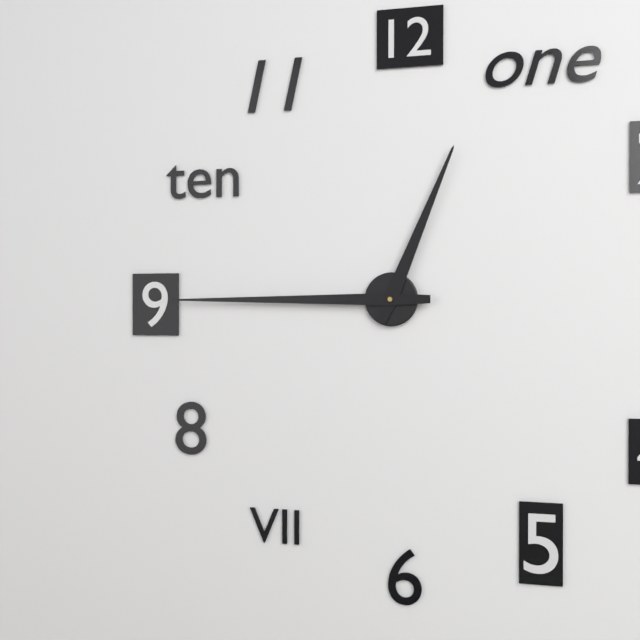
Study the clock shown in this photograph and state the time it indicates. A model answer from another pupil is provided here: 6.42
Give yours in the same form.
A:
12.45
